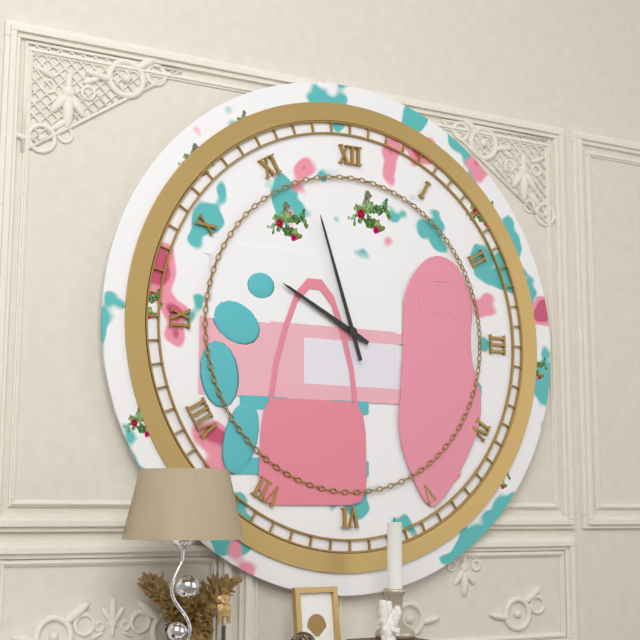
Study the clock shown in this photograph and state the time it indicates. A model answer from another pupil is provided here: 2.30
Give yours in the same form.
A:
9.57
